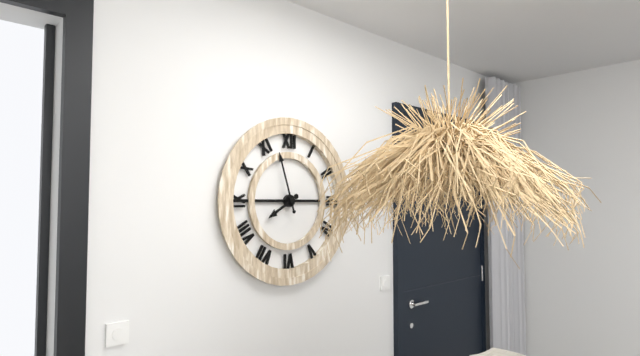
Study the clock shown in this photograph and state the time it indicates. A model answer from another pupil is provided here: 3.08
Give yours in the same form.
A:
7.57
